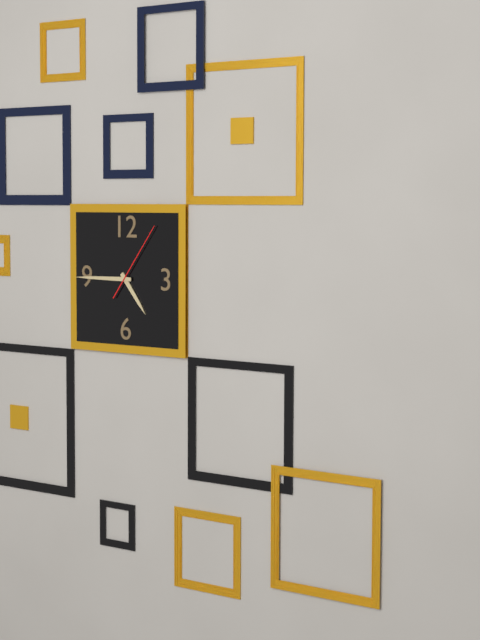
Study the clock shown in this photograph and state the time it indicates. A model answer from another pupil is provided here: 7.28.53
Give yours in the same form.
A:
4.45.06
